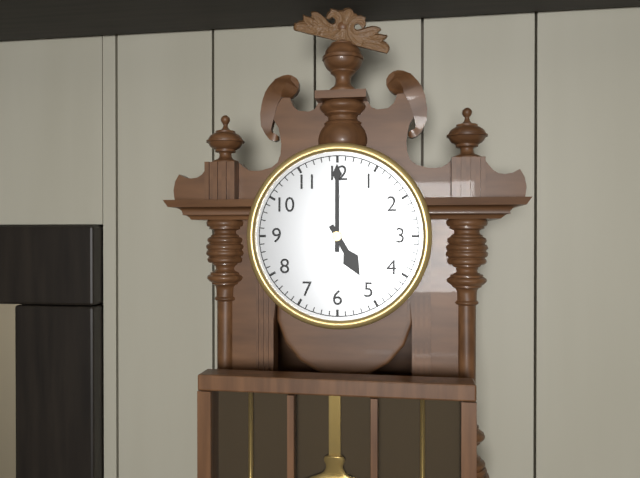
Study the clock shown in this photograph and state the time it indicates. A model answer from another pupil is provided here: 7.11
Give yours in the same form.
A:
5.00
